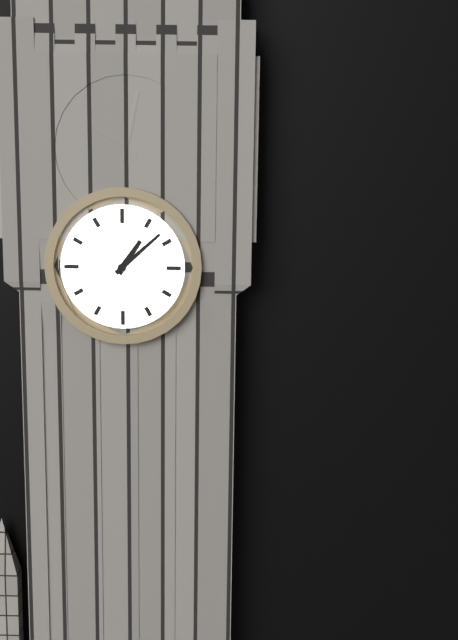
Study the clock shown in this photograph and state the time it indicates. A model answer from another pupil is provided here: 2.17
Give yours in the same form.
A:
1.08
